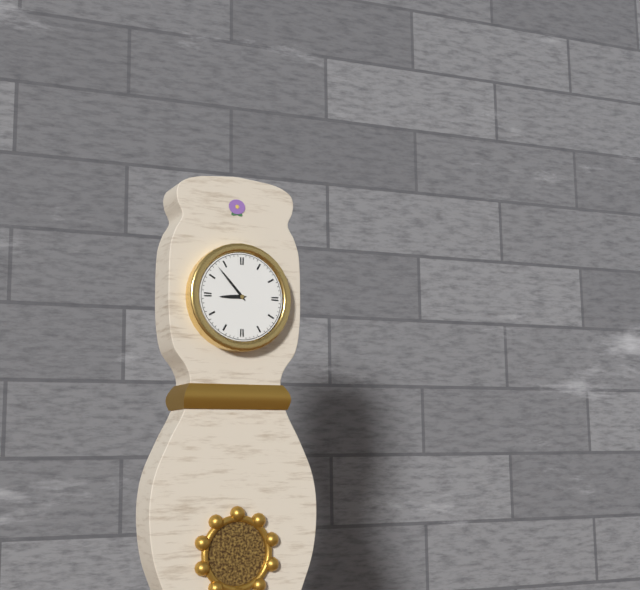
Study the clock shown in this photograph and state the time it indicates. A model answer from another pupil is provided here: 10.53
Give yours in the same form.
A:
8.53
